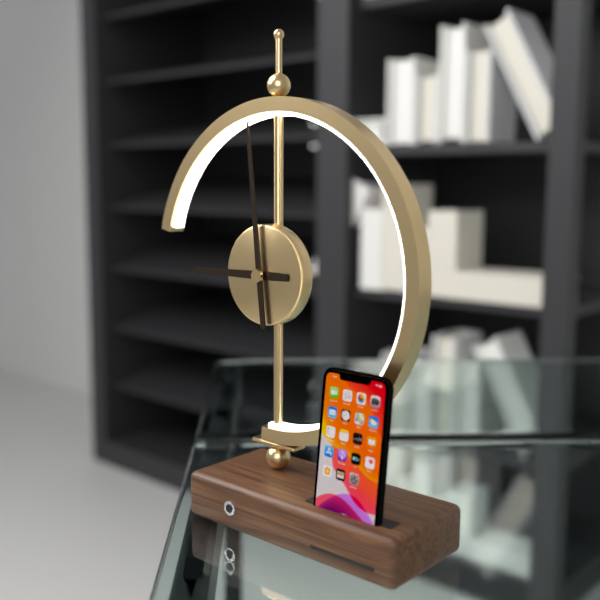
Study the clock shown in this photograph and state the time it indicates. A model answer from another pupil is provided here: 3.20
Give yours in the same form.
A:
8.59
